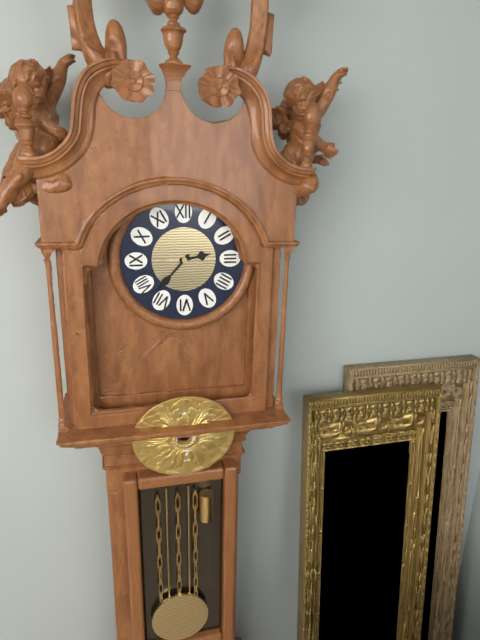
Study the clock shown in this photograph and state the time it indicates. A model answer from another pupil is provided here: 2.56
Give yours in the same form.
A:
2.37
